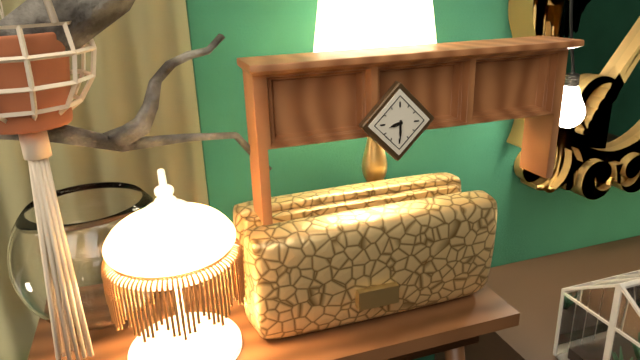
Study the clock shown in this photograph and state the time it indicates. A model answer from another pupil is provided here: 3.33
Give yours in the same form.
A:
8.30
